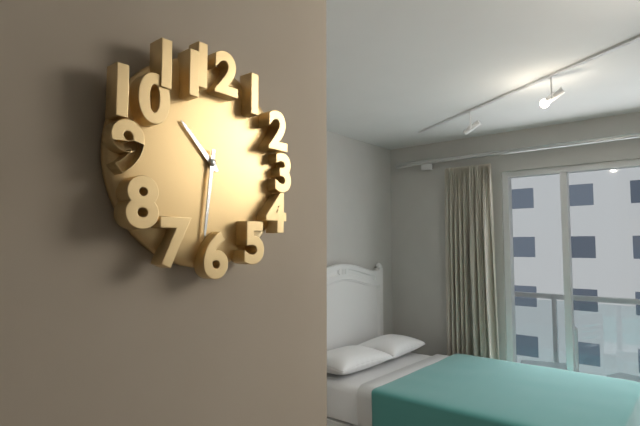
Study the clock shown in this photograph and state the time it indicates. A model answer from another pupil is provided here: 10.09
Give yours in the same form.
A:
10.31
